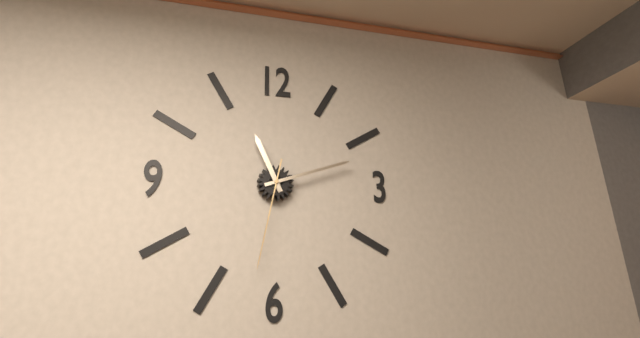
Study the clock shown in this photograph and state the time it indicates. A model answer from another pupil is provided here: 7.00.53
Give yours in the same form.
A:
11.12.32
